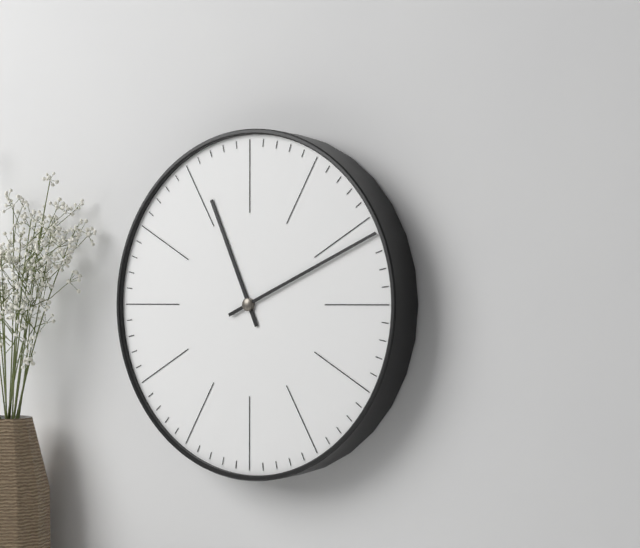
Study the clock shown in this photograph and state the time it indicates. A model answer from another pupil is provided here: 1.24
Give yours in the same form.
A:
11.11
